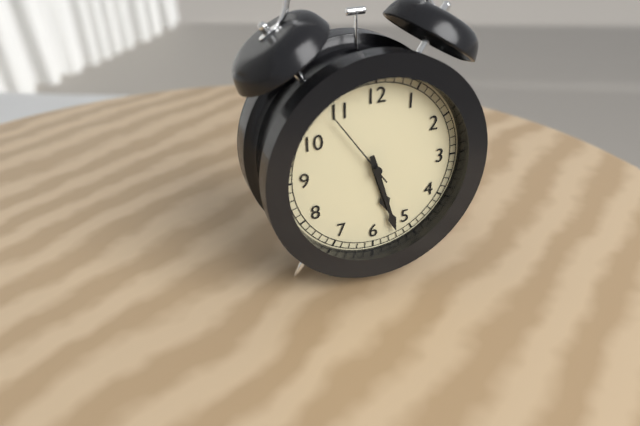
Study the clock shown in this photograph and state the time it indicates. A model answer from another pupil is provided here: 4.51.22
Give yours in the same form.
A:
5.27.54
